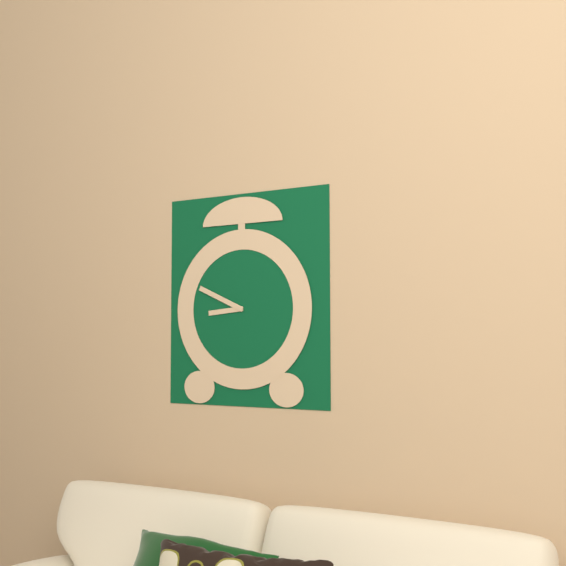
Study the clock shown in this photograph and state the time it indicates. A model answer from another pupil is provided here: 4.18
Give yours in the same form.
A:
8.49
